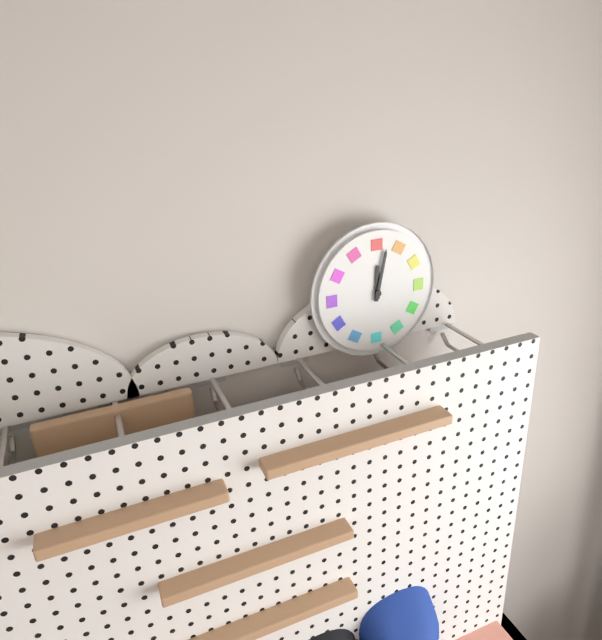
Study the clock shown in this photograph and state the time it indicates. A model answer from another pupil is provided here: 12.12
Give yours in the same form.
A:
12.02
